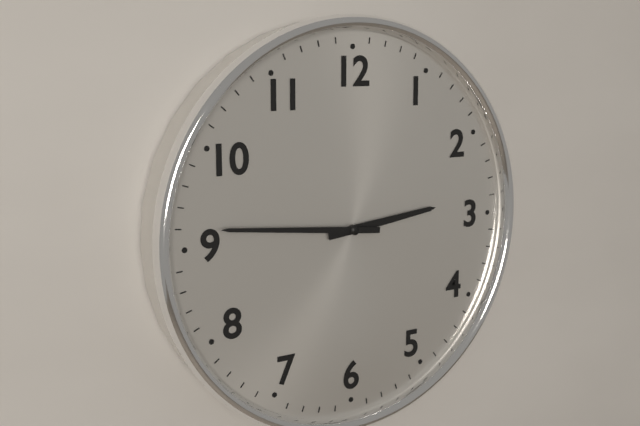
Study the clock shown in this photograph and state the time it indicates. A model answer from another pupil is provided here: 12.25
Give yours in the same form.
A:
2.46
